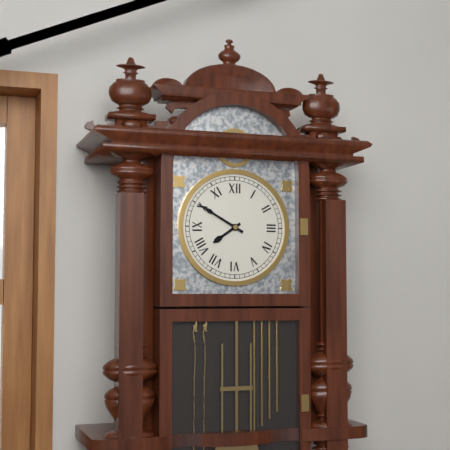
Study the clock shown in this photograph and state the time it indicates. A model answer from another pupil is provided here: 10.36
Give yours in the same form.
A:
7.50
